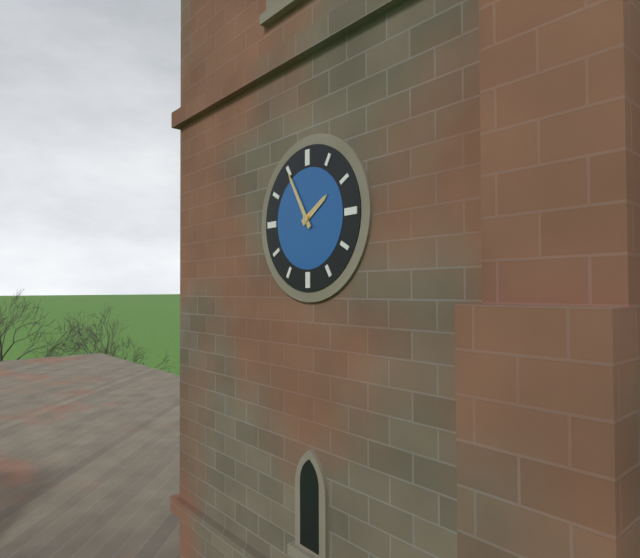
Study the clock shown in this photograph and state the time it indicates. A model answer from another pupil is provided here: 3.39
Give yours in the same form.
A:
1.55
